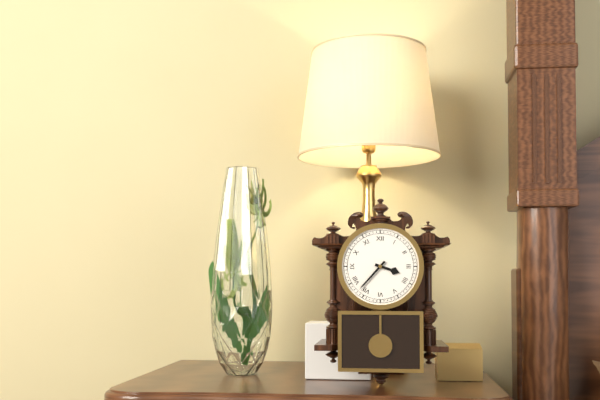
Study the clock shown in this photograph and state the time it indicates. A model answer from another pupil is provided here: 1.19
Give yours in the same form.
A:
3.37
